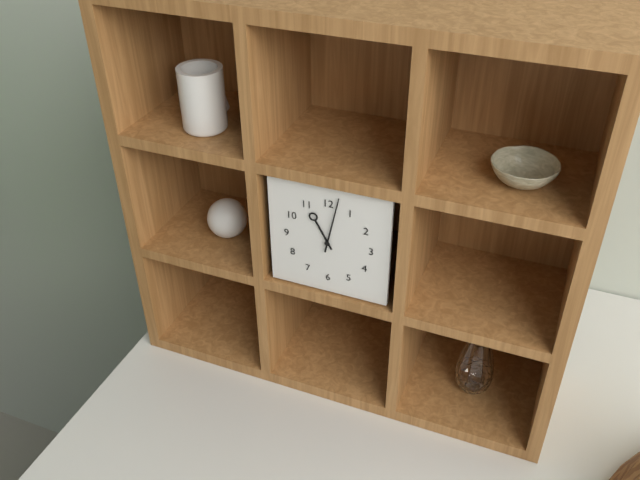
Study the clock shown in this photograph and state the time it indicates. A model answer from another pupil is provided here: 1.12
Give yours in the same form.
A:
11.02
